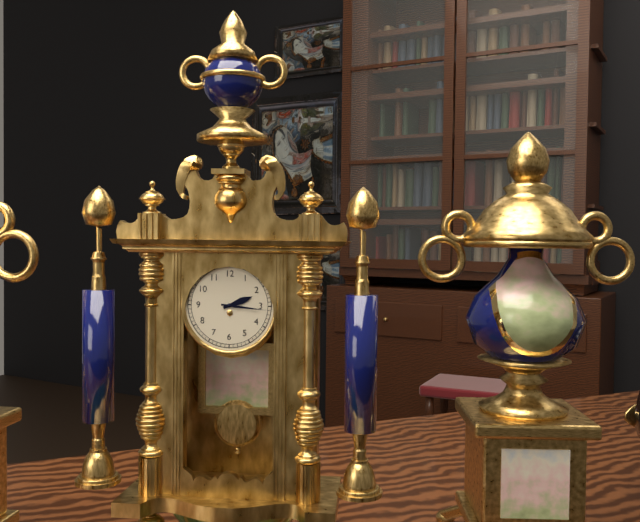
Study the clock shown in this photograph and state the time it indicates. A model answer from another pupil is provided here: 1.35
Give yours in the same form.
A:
2.16
